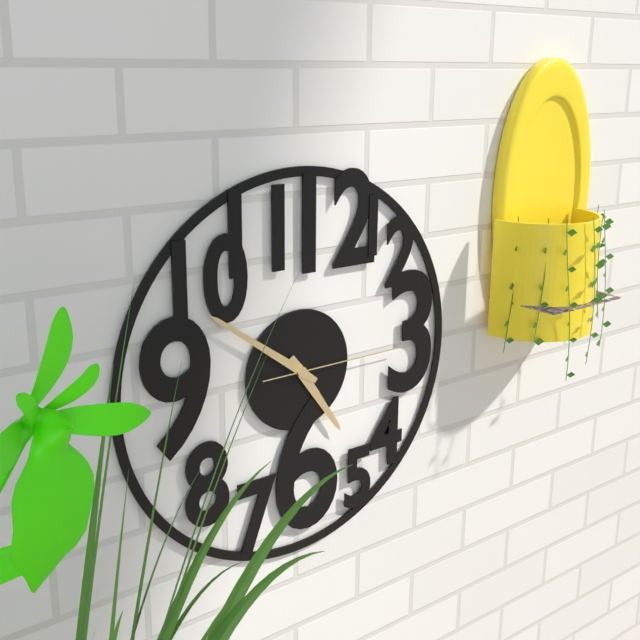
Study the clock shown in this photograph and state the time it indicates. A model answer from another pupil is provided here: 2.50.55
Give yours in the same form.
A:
4.51.15
